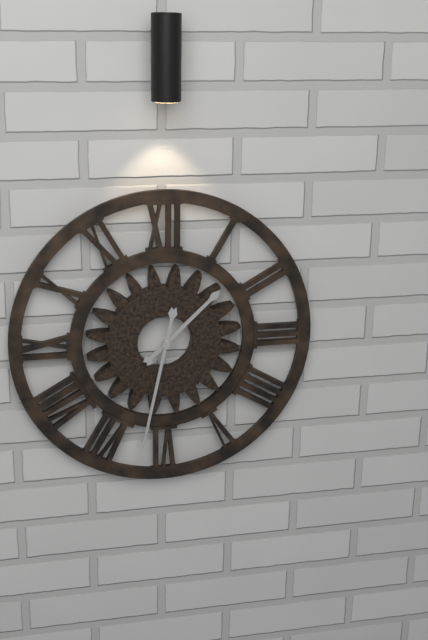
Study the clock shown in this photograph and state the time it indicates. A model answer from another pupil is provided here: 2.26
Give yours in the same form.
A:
1.32
